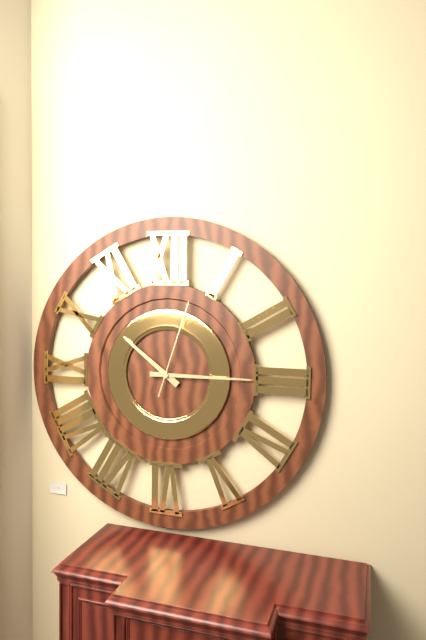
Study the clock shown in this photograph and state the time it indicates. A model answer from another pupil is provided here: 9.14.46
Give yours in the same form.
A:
10.15.03
